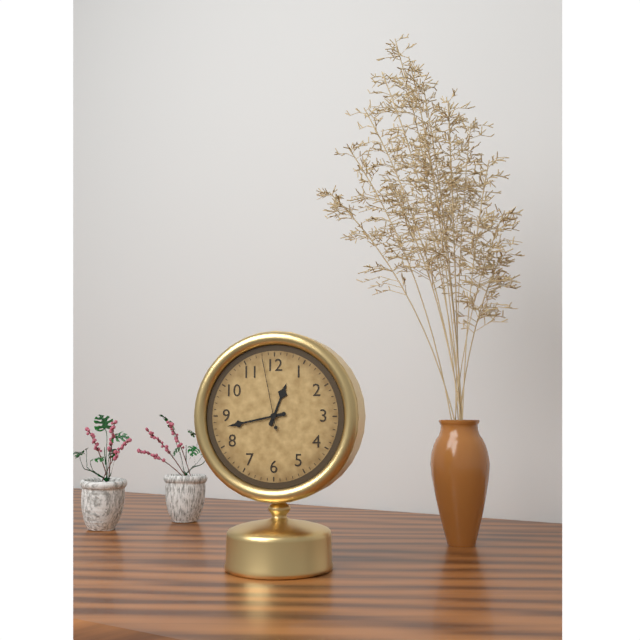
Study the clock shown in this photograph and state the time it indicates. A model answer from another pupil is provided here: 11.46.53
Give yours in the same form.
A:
12.43.58
